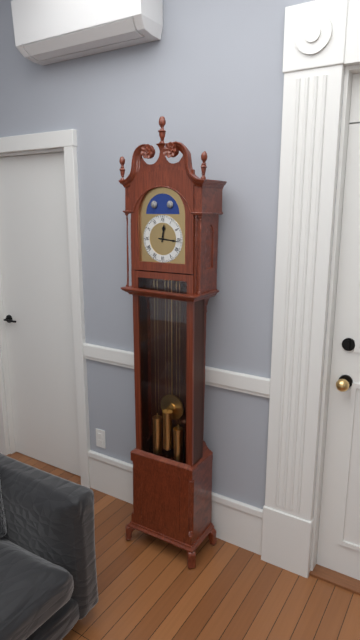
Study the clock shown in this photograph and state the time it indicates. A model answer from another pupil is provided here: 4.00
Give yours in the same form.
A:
12.16
